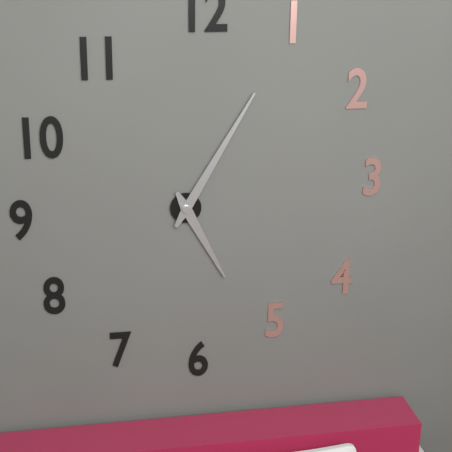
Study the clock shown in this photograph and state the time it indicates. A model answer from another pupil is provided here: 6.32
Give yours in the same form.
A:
5.05
